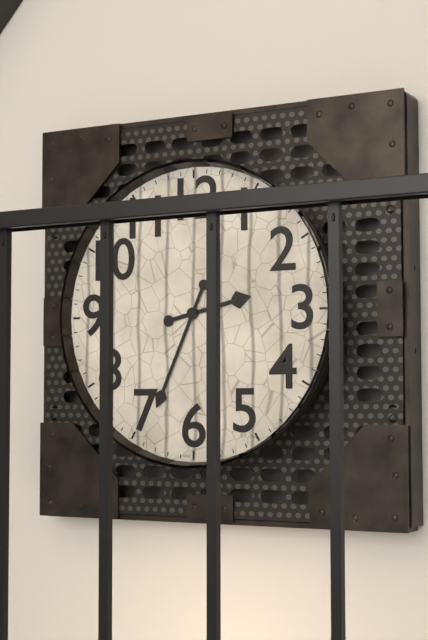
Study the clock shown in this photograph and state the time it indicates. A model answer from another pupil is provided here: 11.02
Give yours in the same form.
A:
2.34
